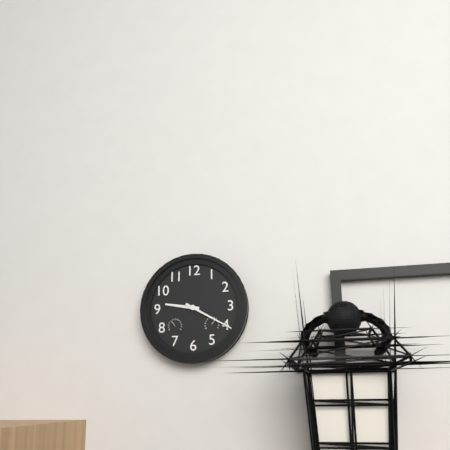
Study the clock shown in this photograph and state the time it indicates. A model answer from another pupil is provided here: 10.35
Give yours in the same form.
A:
9.20
